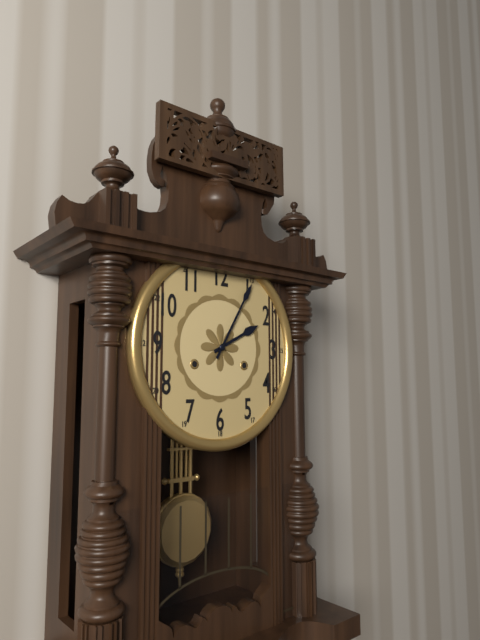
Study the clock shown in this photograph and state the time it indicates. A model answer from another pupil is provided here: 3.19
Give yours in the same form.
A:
2.05
